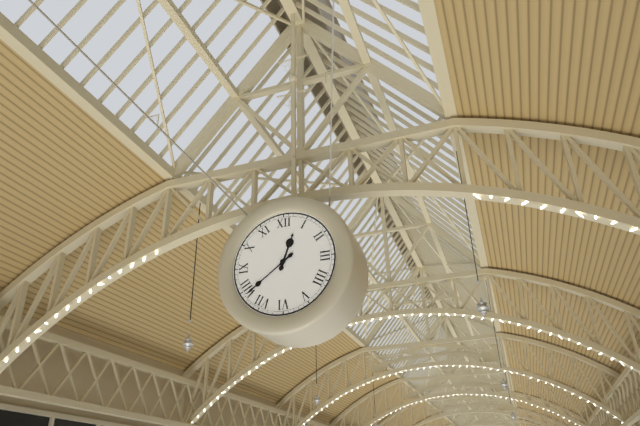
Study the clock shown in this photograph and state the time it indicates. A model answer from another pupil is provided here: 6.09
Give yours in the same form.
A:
12.39
